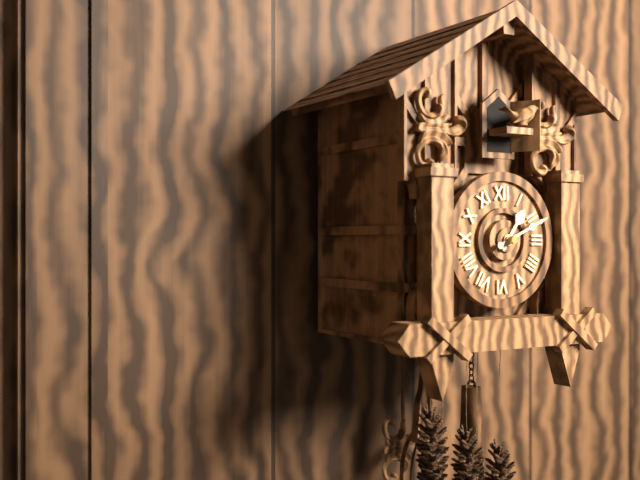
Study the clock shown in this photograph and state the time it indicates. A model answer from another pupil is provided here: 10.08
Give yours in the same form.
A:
1.11
